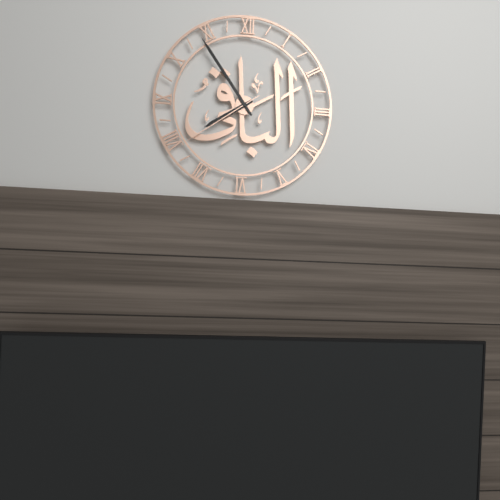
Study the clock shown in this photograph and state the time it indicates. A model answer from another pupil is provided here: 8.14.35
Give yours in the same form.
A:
7.54.39
